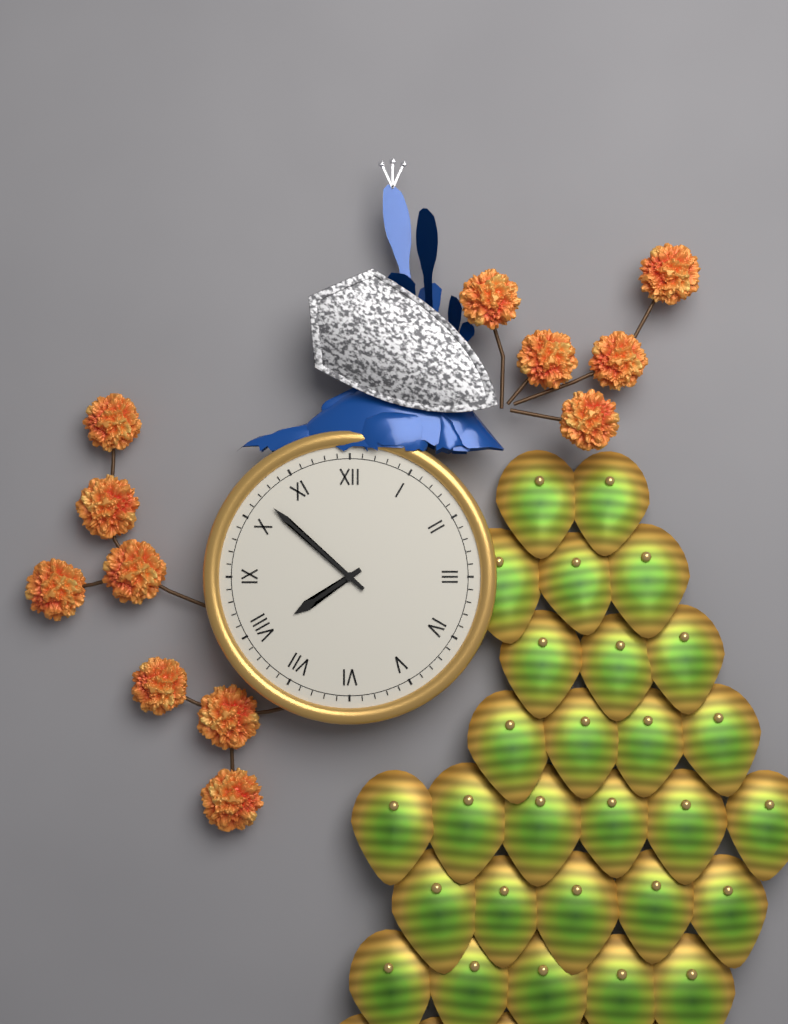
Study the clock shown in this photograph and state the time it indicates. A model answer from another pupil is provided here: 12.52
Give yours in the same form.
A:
7.52
